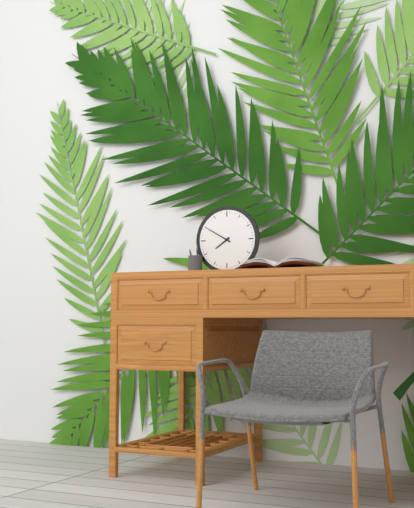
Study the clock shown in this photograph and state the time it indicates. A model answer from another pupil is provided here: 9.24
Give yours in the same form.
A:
7.50
